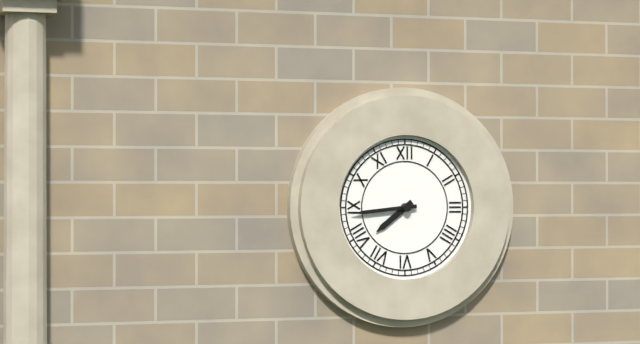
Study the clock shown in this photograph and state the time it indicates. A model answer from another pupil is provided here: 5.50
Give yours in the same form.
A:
7.44
